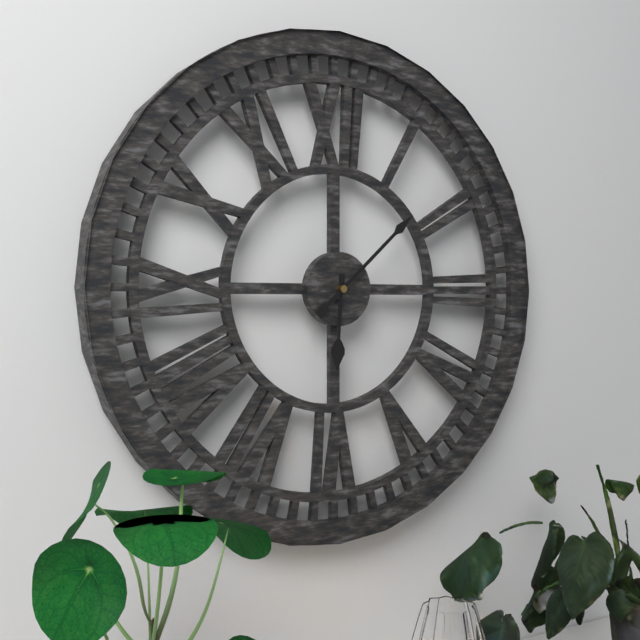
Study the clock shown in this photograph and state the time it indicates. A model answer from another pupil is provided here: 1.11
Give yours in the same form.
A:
6.08
